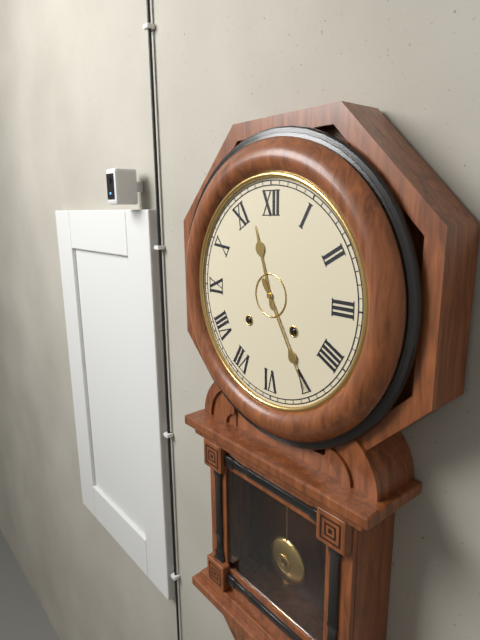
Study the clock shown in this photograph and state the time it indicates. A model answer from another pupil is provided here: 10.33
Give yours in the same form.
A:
11.25
